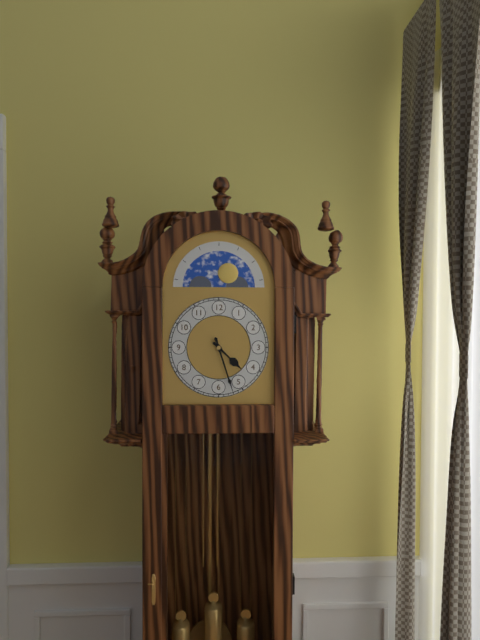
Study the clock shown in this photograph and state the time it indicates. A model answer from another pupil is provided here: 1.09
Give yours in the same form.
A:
4.27
